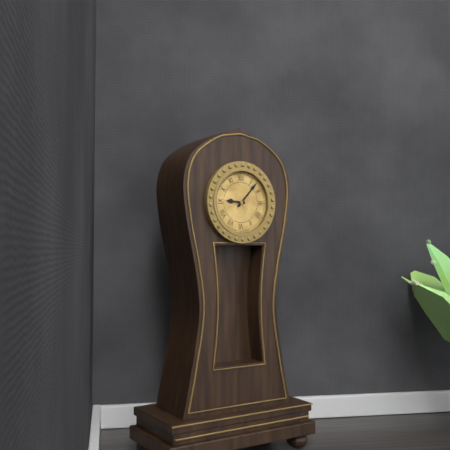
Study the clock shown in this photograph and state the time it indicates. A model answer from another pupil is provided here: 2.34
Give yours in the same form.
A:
9.07
